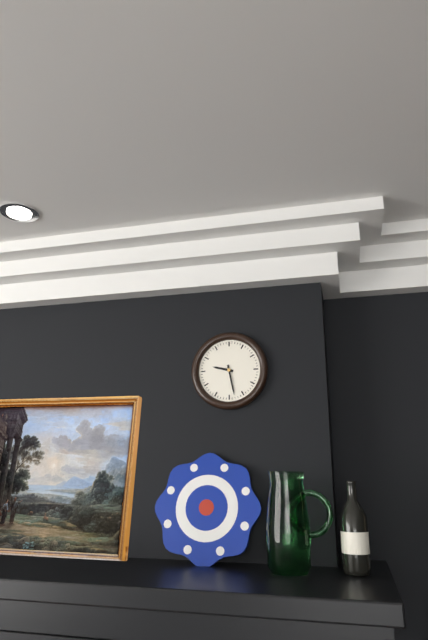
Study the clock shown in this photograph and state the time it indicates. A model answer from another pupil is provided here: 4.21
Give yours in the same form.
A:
9.28
